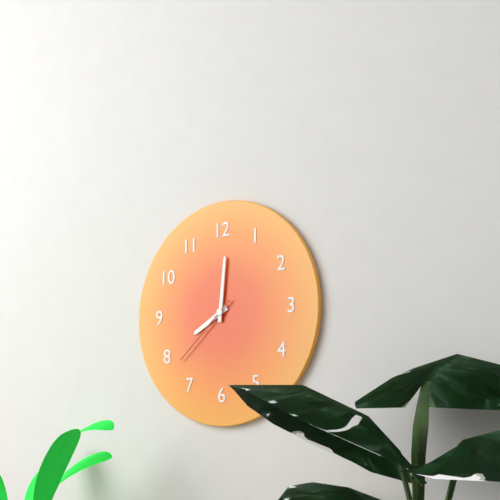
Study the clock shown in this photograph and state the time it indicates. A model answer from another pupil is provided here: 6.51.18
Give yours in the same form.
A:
8.01.38
